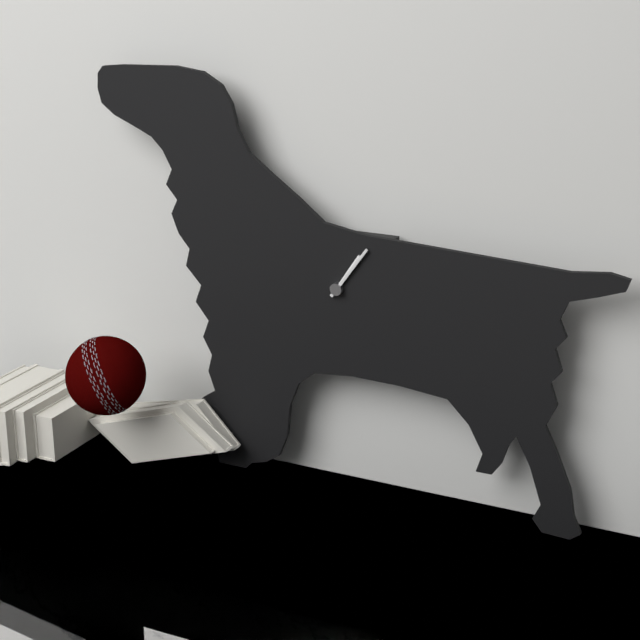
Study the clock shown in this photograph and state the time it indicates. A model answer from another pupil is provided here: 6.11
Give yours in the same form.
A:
1.06
